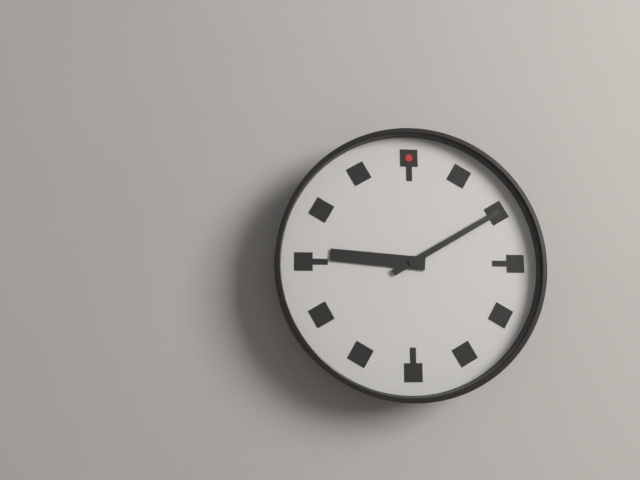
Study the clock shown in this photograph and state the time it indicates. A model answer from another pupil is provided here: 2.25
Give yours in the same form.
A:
9.10
